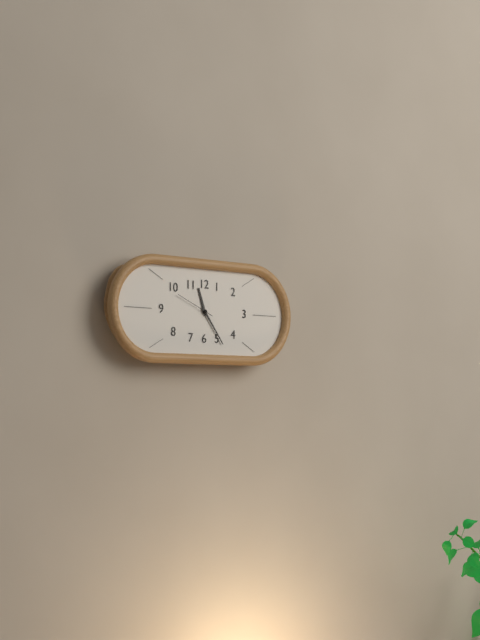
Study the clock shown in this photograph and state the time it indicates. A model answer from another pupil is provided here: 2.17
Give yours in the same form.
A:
11.24
